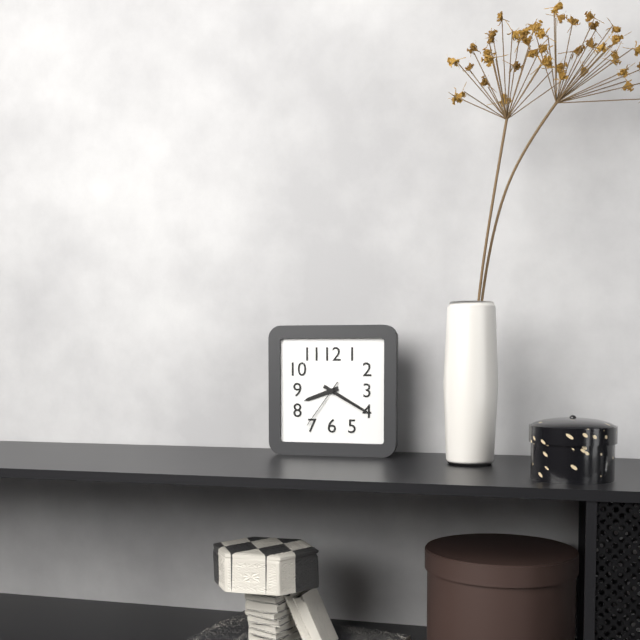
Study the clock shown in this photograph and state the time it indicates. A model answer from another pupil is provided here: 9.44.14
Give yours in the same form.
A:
8.20.36
